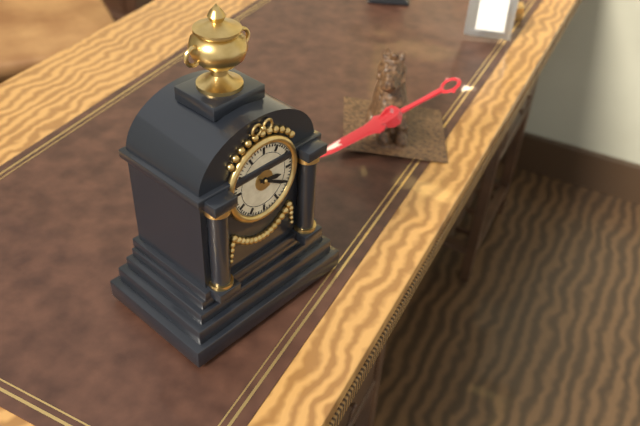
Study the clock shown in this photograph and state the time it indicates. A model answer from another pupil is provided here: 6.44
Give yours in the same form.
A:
3.20
